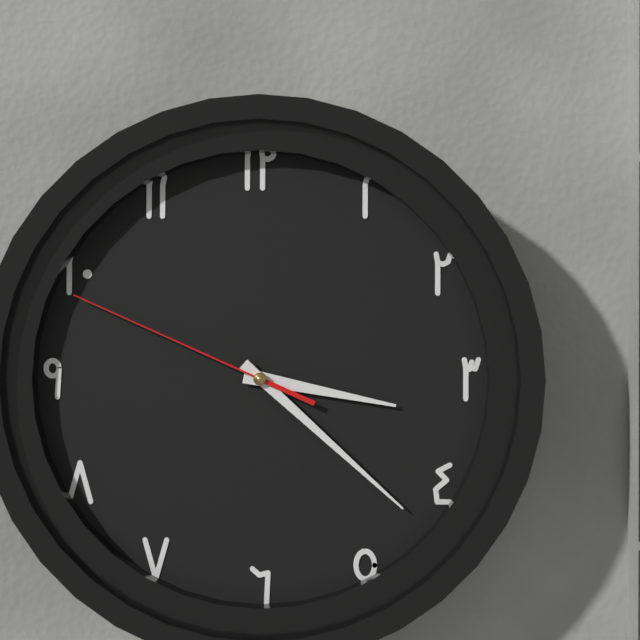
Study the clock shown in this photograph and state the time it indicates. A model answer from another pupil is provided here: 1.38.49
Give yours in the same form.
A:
3.22.49
